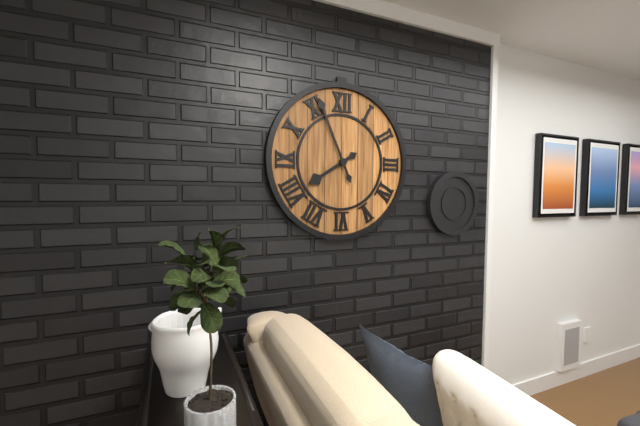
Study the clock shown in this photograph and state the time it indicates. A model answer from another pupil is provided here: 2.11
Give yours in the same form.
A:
7.56
